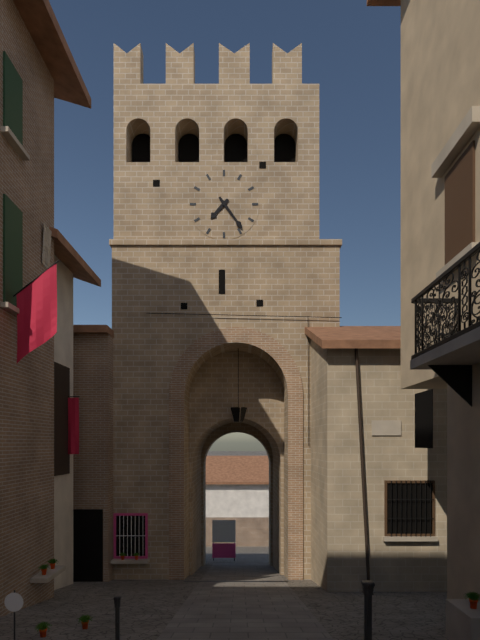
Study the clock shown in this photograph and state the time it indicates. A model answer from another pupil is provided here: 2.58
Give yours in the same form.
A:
7.24
